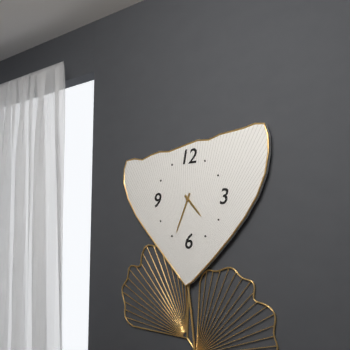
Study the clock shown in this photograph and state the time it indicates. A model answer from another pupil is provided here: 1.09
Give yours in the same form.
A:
4.34
